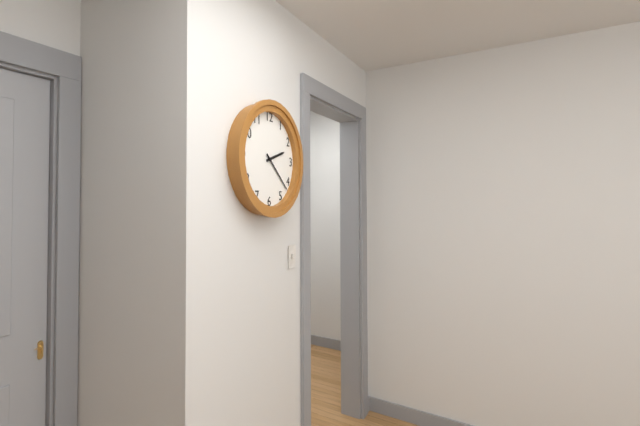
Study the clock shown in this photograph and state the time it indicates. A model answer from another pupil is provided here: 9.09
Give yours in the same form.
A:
2.22
